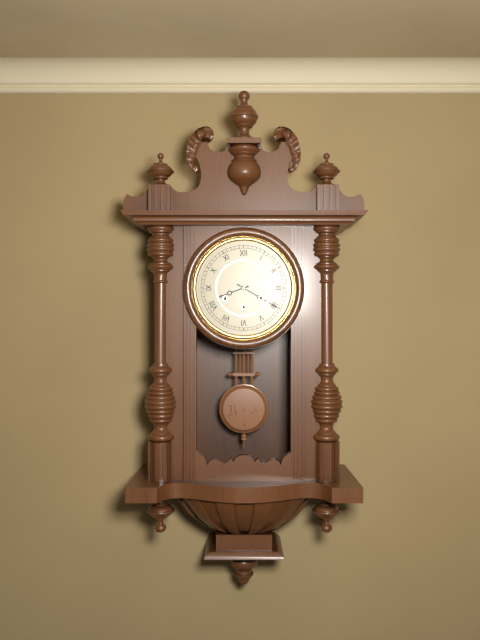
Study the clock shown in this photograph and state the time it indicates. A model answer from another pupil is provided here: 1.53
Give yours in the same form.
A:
8.20
